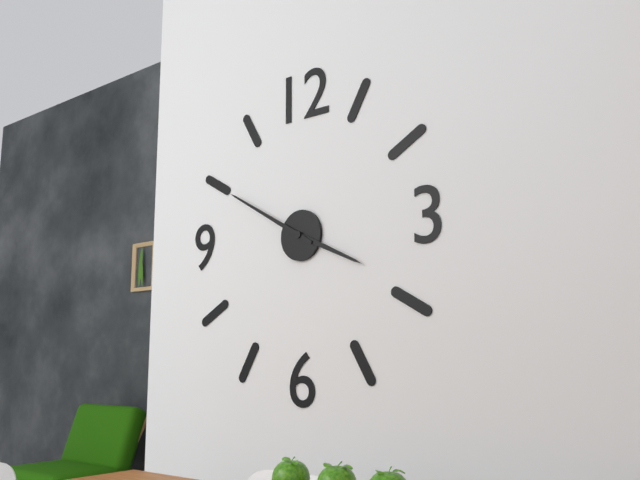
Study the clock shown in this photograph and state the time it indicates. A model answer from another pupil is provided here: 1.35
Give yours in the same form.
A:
3.50
